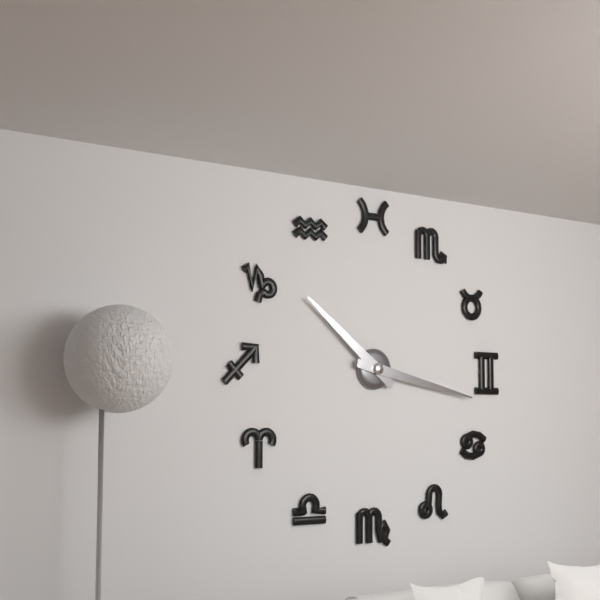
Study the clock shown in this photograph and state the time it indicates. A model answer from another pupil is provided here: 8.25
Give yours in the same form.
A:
10.17
